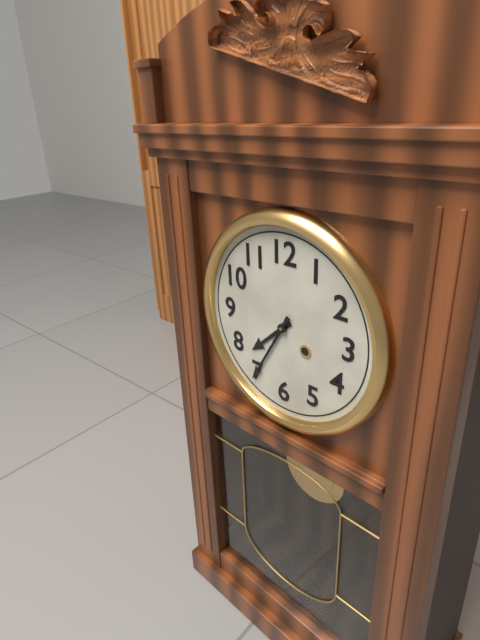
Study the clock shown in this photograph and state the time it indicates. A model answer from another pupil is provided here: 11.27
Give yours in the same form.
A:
7.35
